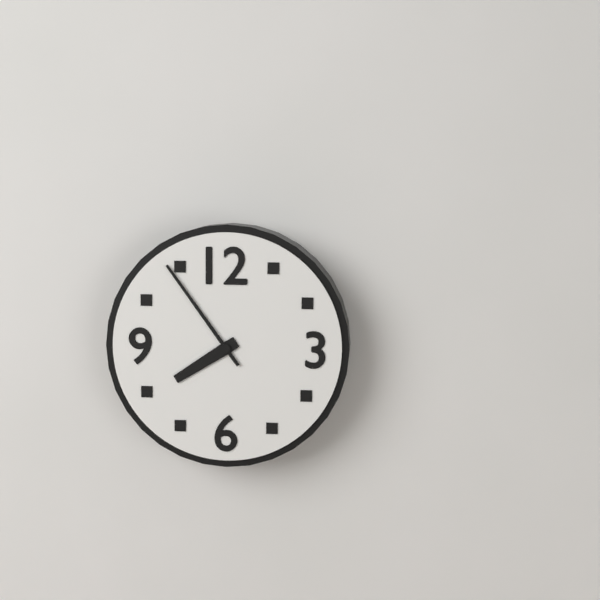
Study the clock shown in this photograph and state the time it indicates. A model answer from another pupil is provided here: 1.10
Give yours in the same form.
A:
7.54
